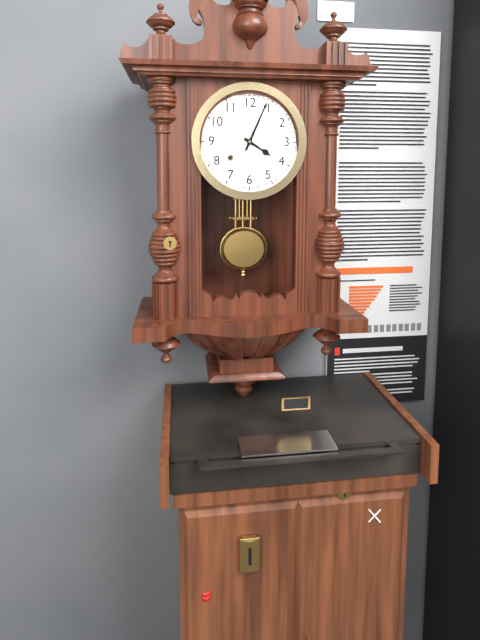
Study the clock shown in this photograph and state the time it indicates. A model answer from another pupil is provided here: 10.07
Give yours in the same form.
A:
4.04
